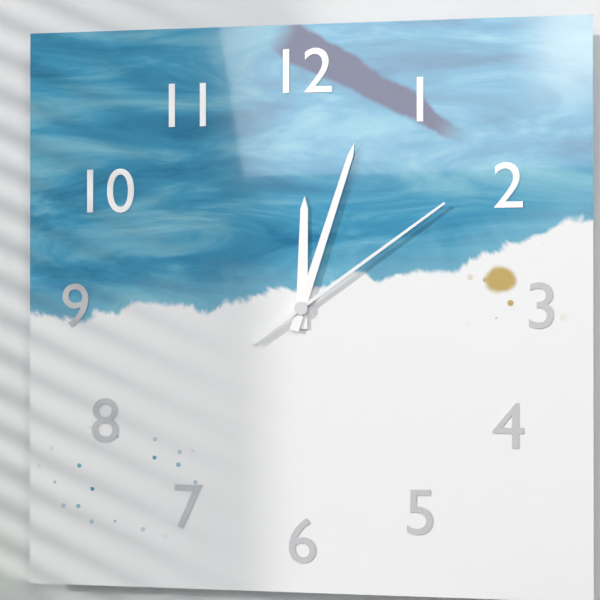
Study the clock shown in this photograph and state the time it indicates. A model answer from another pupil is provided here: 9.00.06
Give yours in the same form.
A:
12.03.09
